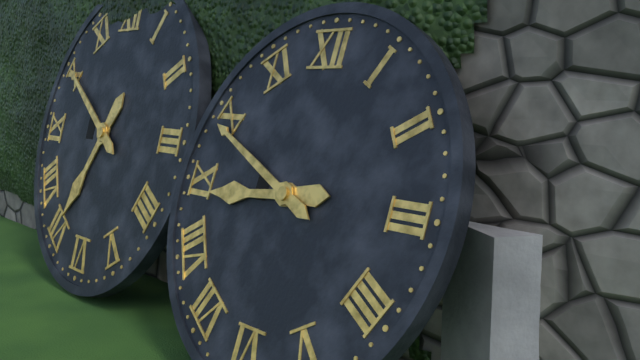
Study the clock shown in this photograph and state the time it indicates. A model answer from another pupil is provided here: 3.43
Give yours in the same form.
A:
8.49
